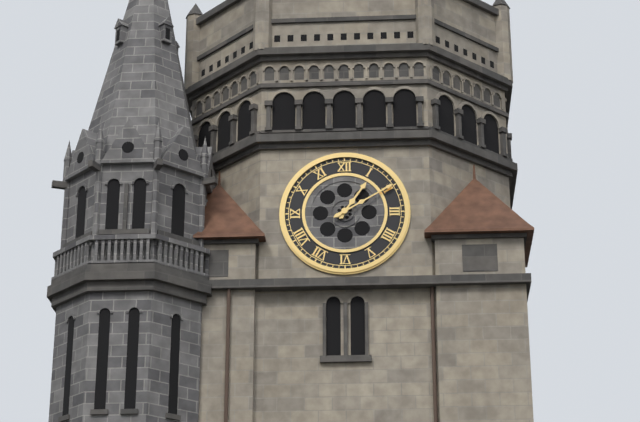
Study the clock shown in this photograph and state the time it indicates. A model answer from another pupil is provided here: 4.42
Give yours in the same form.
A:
1.10
